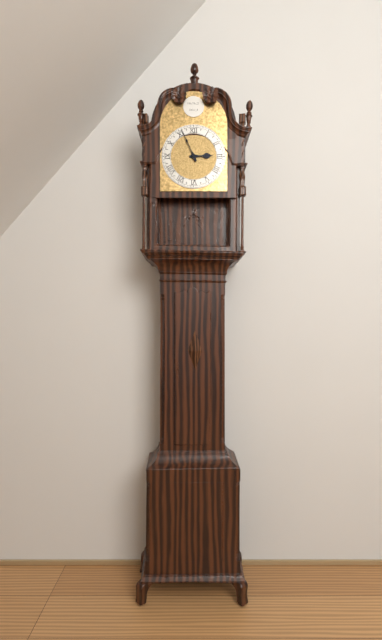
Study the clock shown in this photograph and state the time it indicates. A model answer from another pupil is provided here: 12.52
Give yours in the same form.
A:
2.56
